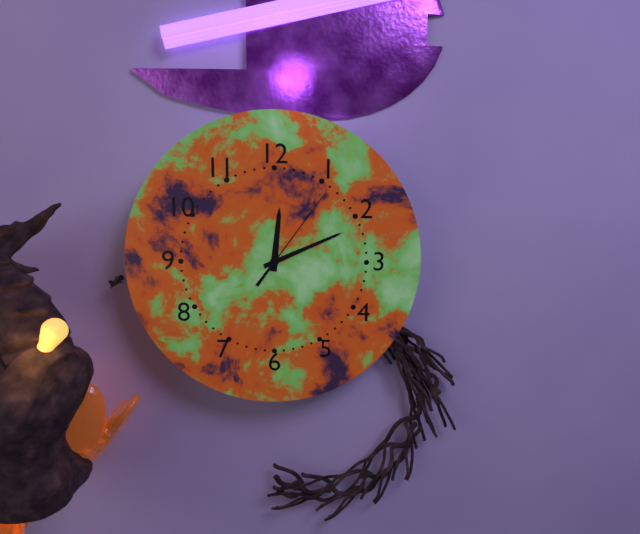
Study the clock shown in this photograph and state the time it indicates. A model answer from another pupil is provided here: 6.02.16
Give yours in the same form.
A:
12.11.06
